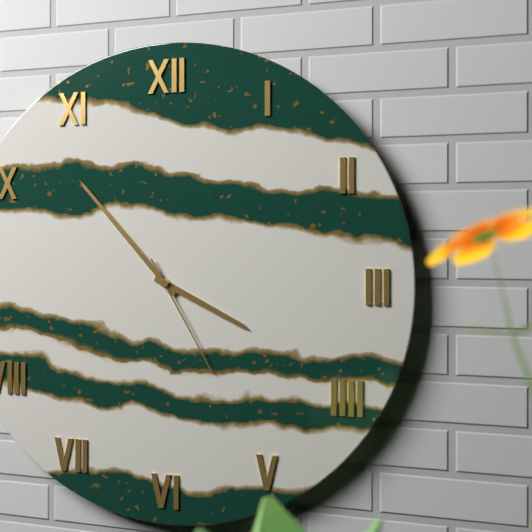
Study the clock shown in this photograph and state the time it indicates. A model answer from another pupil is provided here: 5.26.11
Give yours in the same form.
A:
3.53.25
